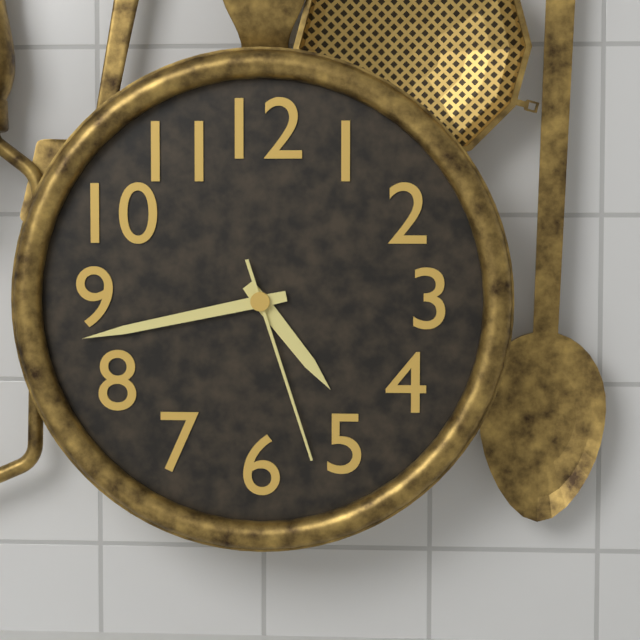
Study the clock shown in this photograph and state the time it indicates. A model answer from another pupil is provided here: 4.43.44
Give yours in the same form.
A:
4.43.27
